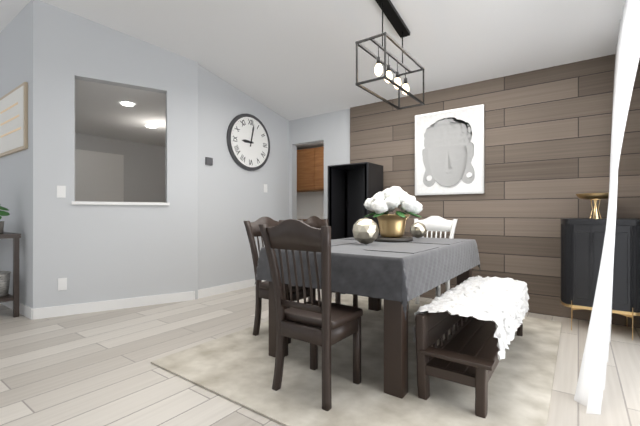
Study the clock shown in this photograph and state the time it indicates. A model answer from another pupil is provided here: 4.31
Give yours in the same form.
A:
9.02
